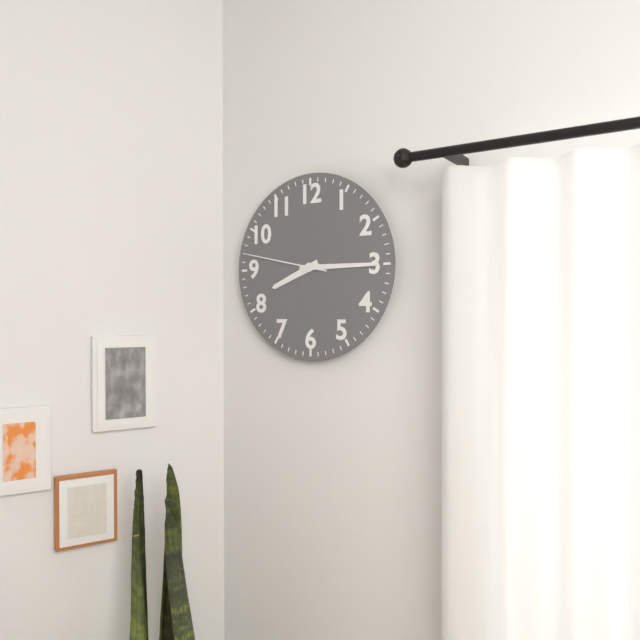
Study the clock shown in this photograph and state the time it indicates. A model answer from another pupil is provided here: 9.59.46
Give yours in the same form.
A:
8.15.47
